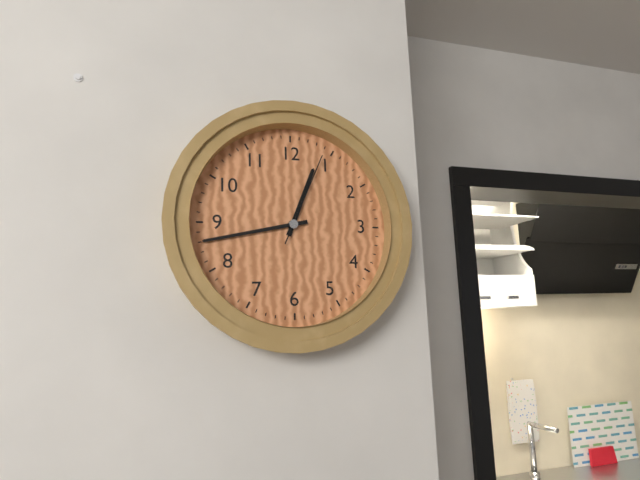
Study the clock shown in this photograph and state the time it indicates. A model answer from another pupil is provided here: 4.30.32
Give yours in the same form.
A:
12.43.04
